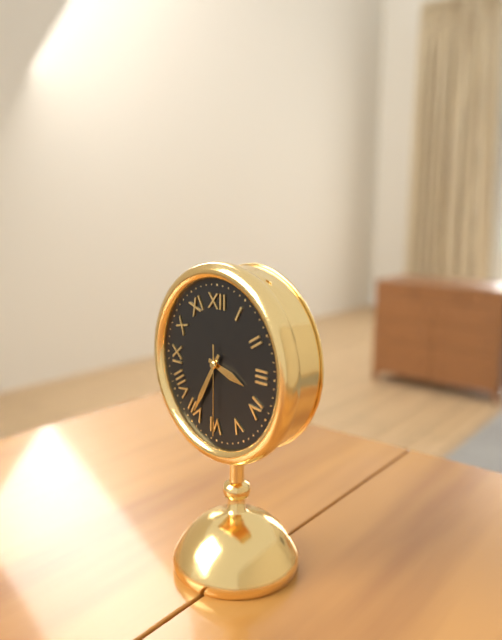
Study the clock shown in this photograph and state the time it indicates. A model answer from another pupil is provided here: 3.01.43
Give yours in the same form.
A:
3.35.30
